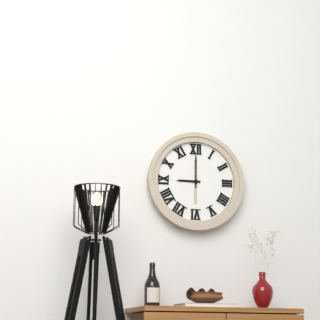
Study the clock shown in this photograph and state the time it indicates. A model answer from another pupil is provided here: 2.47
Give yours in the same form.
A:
9.00
